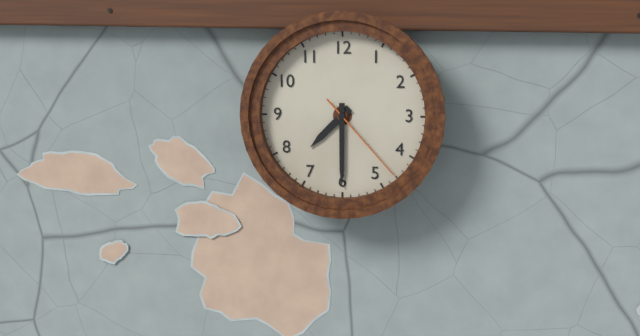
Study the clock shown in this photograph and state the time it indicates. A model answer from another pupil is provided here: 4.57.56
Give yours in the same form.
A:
7.30.23
